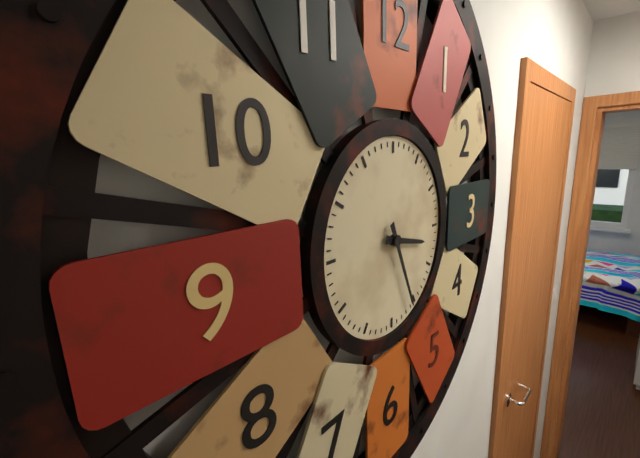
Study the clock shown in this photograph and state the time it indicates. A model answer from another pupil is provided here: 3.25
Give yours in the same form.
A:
3.26
